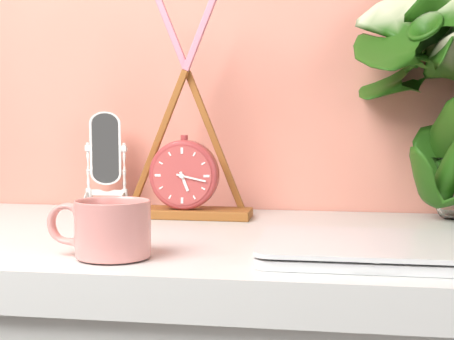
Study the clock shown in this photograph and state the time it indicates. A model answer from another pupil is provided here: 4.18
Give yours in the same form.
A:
5.17
